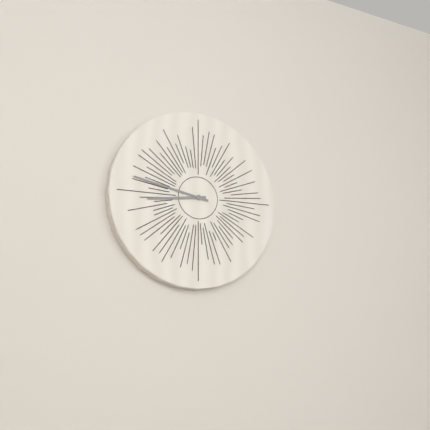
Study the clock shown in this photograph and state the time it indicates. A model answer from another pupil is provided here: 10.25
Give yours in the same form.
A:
8.47
